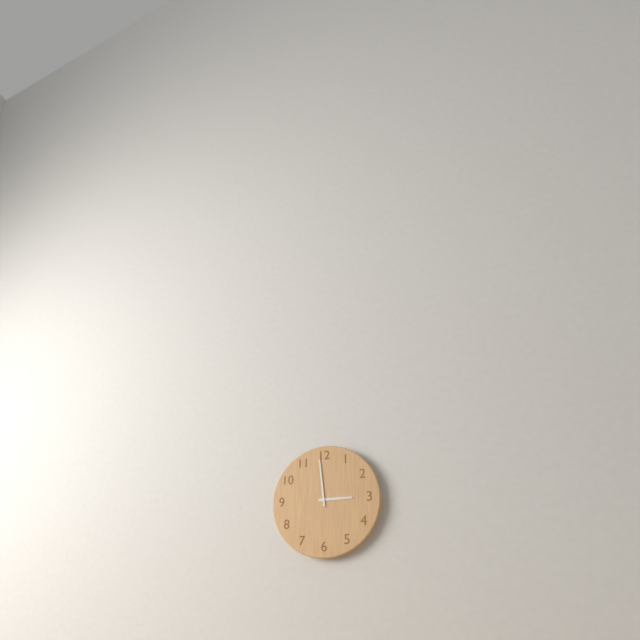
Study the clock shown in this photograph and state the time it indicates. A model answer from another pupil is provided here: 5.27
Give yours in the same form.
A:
2.59
